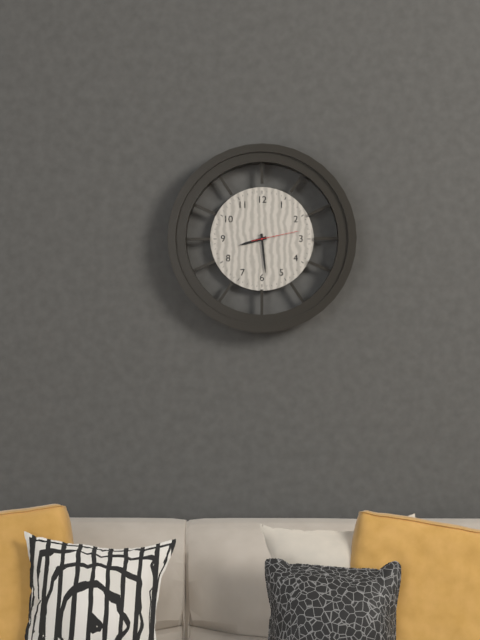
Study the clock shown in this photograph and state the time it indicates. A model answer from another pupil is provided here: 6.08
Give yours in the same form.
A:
8.29
